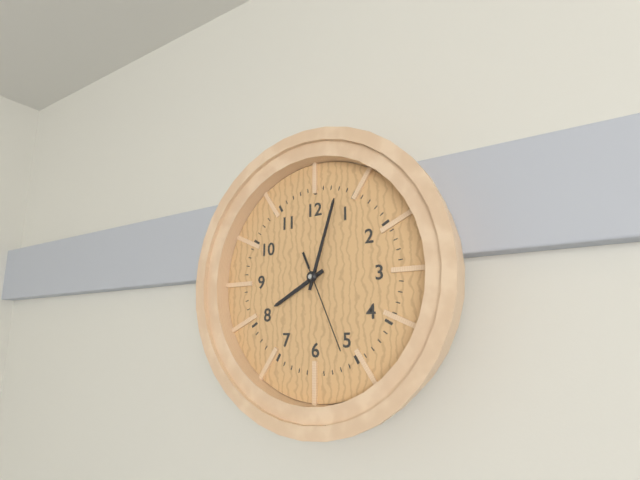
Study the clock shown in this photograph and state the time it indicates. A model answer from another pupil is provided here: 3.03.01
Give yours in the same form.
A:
8.03.26
